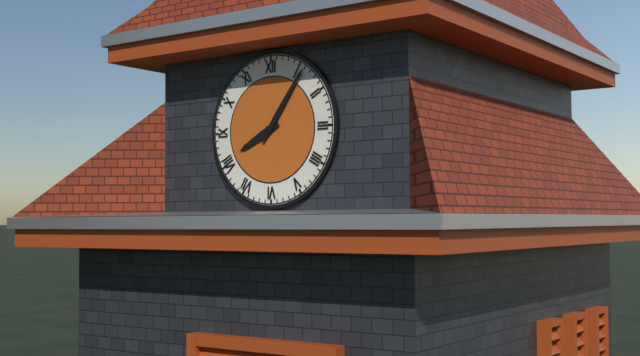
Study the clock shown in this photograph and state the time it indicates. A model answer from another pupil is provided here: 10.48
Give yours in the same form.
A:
8.06
